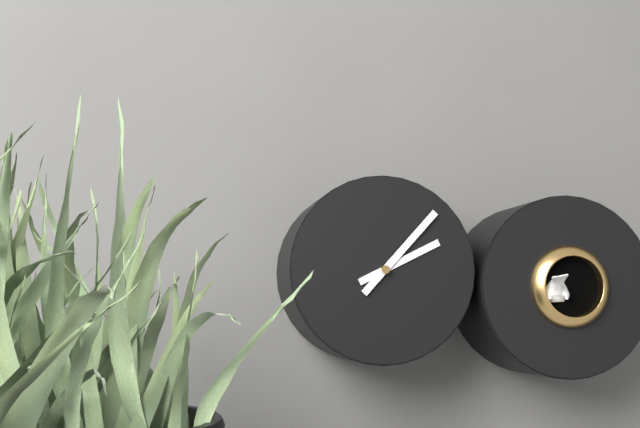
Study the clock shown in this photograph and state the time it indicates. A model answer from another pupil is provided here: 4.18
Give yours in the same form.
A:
2.07
